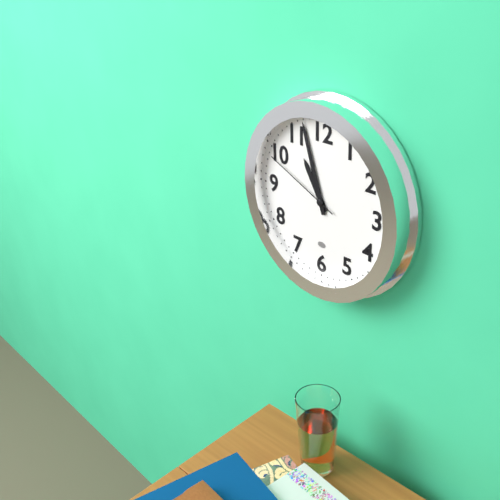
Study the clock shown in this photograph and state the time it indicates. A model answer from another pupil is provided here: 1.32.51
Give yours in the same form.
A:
10.57.49
